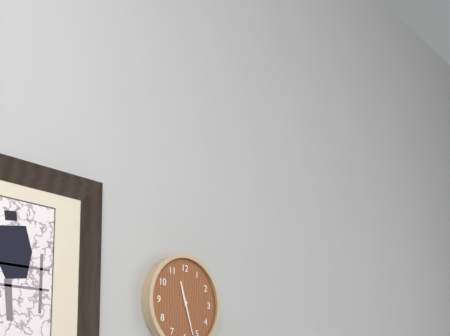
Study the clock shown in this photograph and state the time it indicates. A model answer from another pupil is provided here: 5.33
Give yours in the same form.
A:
11.27
